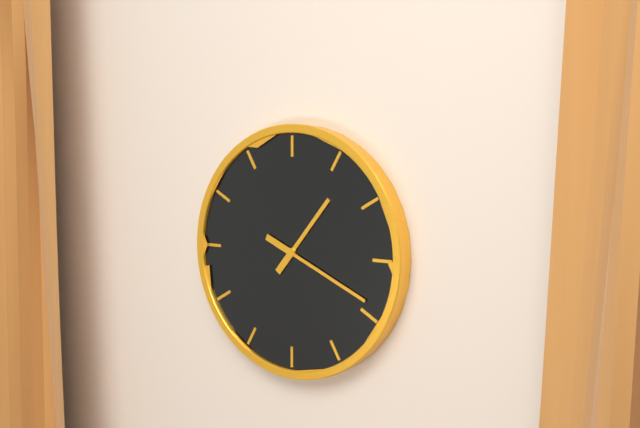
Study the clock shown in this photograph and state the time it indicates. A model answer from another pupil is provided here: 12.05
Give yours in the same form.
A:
1.19
